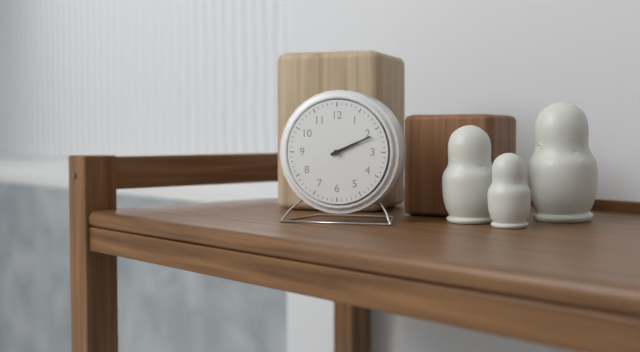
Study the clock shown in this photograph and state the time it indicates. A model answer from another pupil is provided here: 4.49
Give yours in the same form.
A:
2.11
